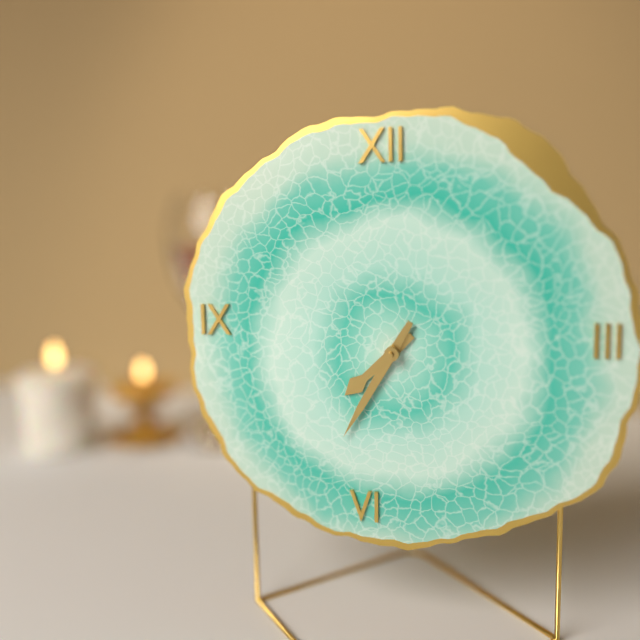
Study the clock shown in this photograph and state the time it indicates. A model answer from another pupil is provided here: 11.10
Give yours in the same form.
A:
7.35
